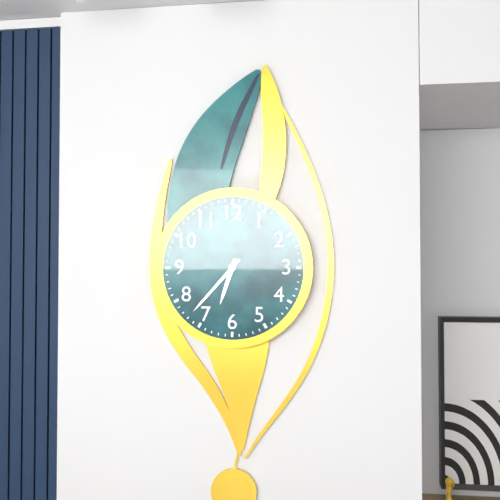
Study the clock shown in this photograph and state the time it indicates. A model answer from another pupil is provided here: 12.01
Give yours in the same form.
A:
6.37
